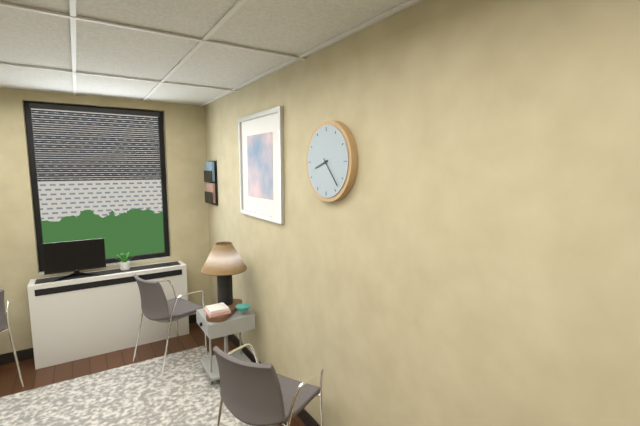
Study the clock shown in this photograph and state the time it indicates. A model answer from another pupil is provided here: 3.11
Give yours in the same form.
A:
8.23
